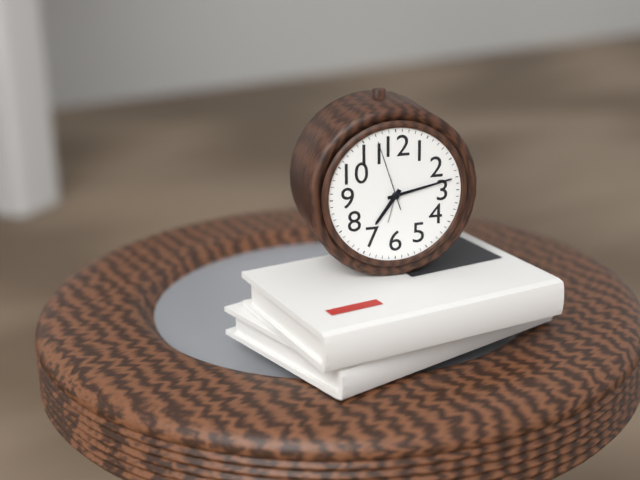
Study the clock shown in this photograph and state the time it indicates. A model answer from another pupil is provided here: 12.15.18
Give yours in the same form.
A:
7.13.57
